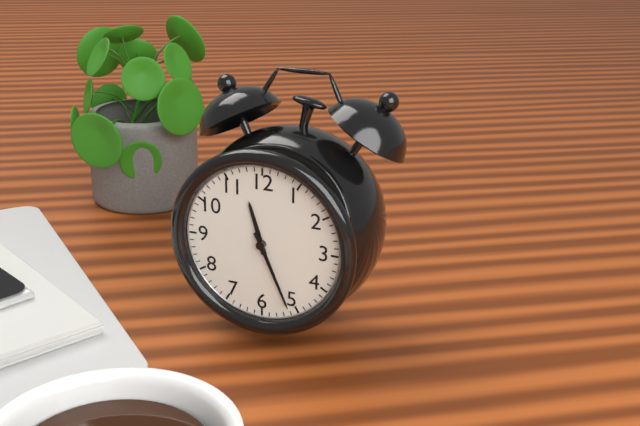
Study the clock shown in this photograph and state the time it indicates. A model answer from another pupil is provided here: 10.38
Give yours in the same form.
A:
11.26
